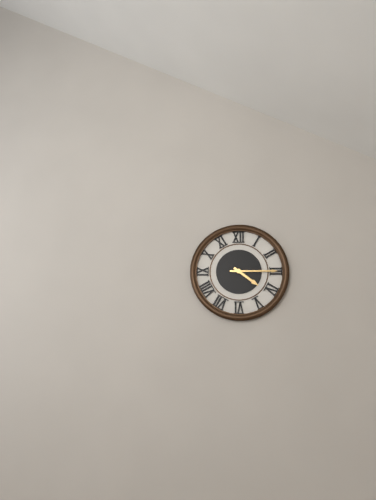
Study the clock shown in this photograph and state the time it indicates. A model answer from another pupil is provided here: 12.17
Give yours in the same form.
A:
4.15
